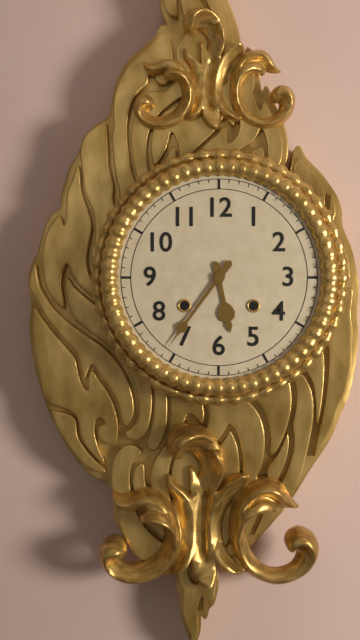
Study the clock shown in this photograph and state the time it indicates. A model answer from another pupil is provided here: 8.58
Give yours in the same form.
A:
5.36
